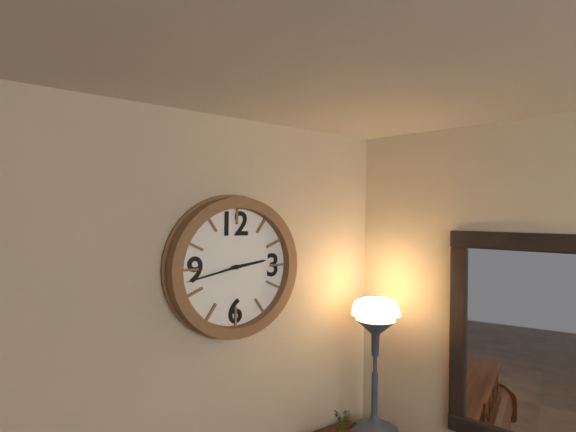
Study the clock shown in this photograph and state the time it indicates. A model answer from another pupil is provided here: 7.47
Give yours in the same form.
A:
2.43
